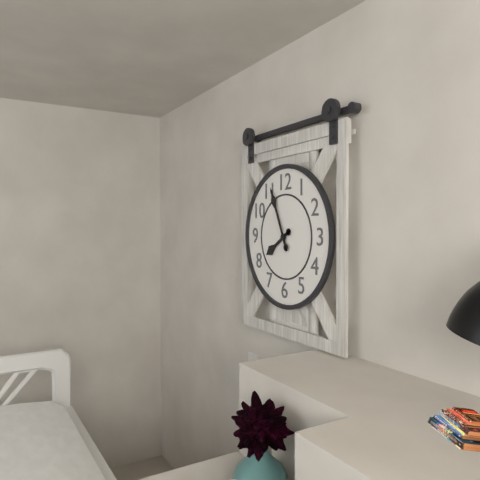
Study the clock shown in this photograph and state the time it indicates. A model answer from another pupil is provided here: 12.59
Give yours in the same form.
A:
7.56
